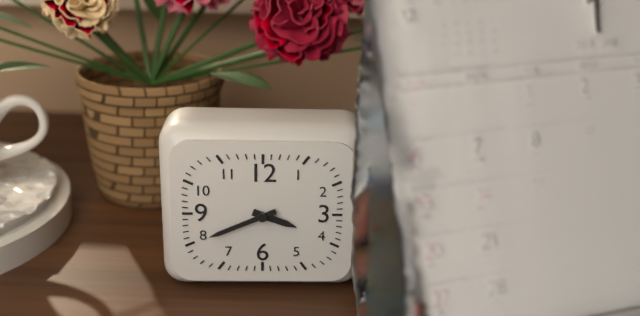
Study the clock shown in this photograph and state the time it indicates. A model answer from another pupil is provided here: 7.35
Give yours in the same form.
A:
3.41
